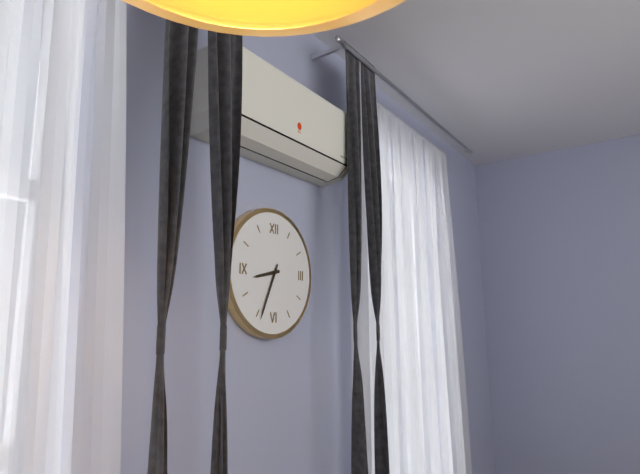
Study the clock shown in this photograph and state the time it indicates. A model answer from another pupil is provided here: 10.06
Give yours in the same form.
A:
8.34
